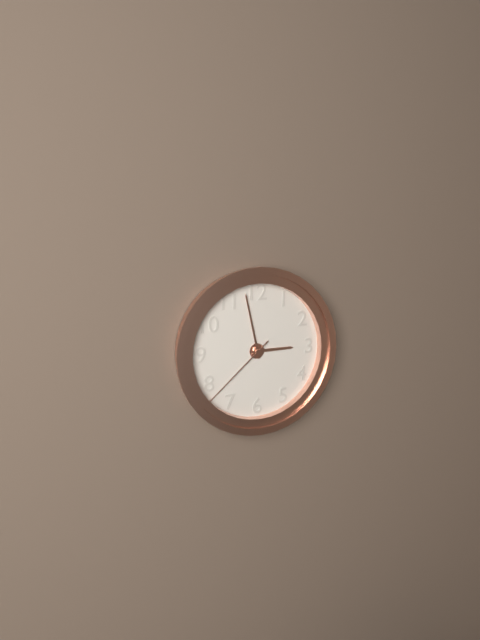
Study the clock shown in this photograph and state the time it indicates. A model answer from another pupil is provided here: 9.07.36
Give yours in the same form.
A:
2.58.38
